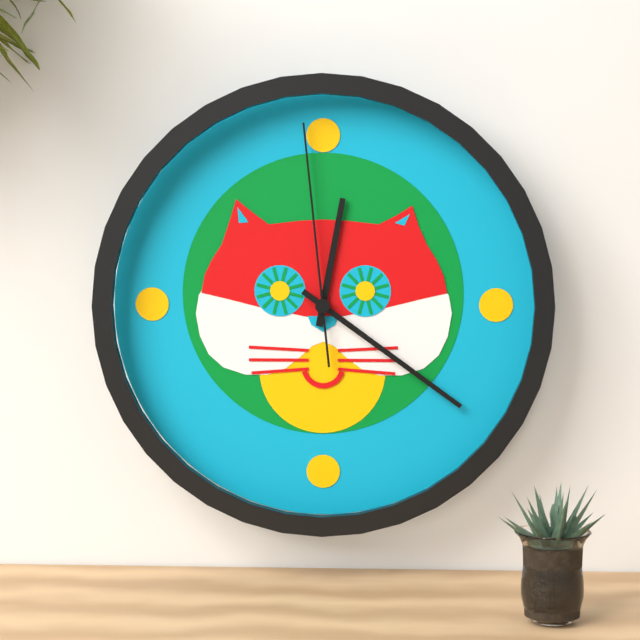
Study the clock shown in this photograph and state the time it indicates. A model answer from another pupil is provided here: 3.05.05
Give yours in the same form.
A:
12.21.59
